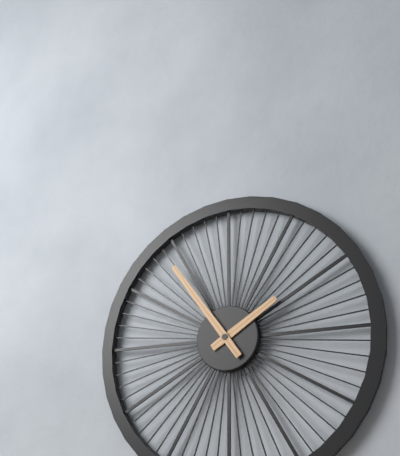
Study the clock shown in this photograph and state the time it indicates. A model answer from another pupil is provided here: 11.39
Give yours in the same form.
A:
1.54
